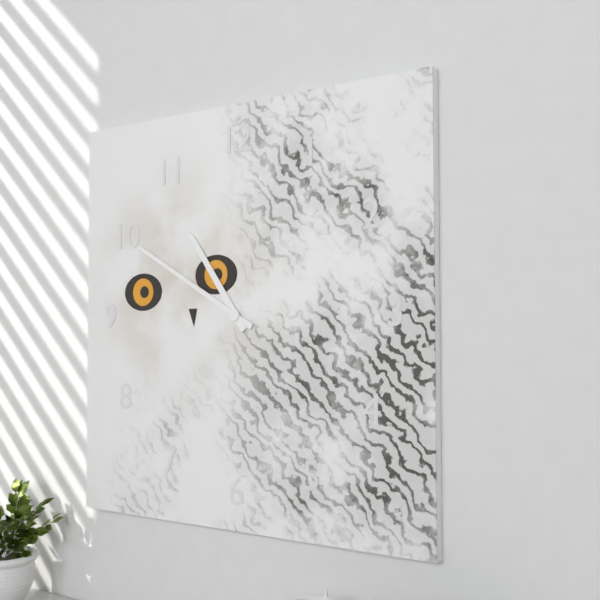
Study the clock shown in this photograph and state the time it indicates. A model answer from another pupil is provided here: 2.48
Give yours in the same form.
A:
10.50
